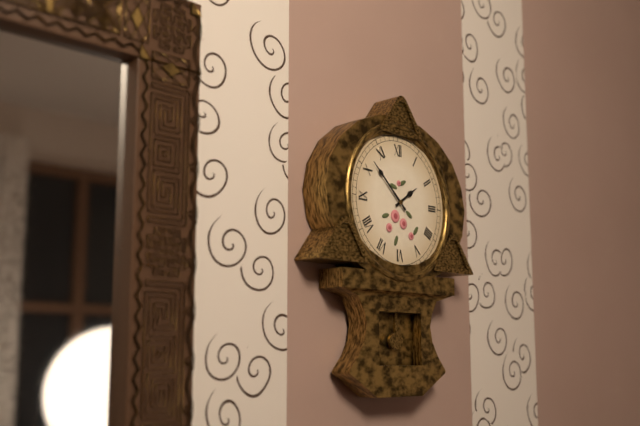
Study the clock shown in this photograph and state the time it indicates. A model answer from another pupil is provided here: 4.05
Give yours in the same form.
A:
1.52
